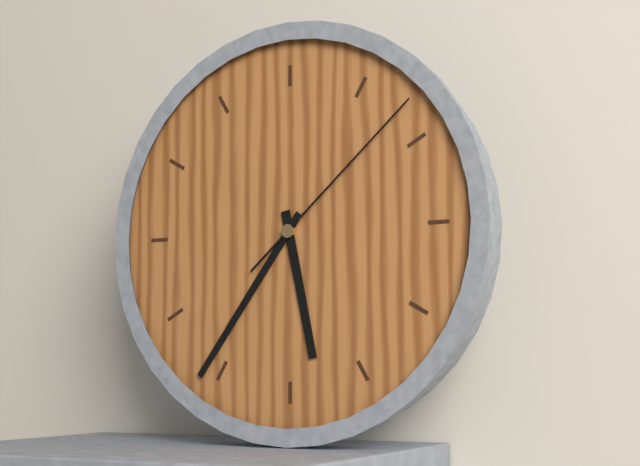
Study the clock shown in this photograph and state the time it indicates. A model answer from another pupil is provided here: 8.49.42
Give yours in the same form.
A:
5.36.08
